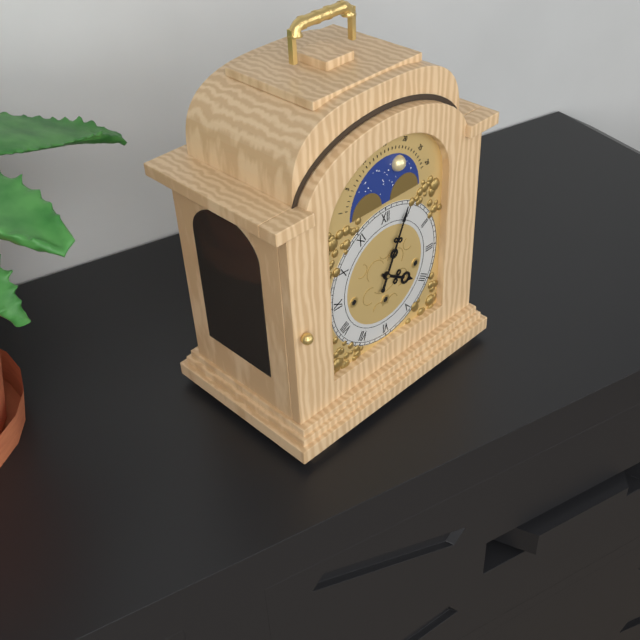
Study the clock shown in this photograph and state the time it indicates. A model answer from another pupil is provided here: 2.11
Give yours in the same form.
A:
4.04
